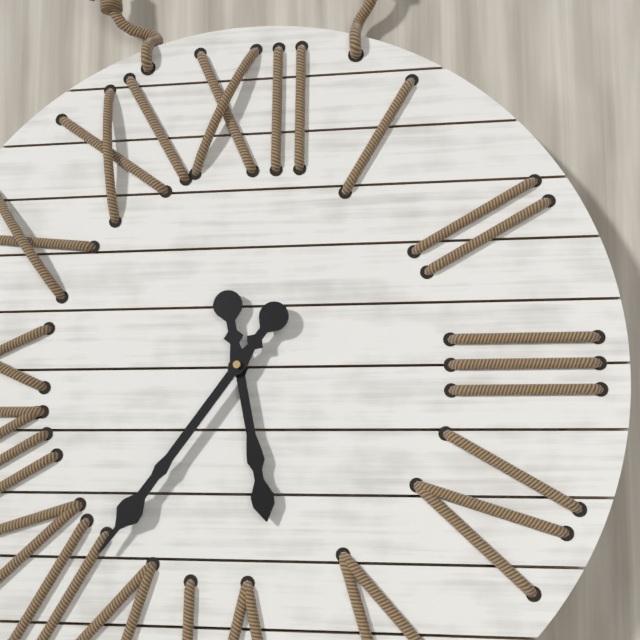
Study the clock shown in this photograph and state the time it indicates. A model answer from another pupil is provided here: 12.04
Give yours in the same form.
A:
5.36
